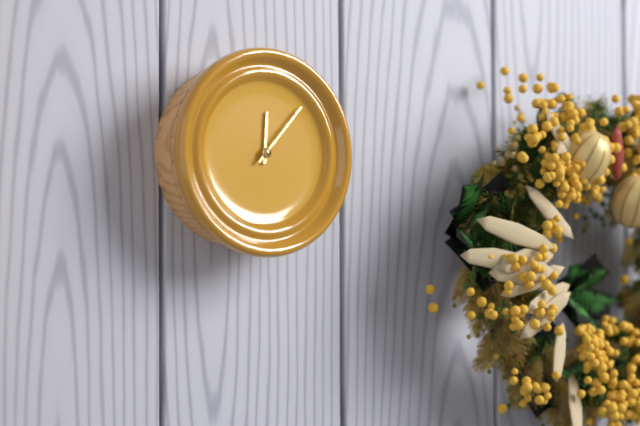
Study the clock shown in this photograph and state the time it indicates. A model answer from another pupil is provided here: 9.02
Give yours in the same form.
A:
12.07
